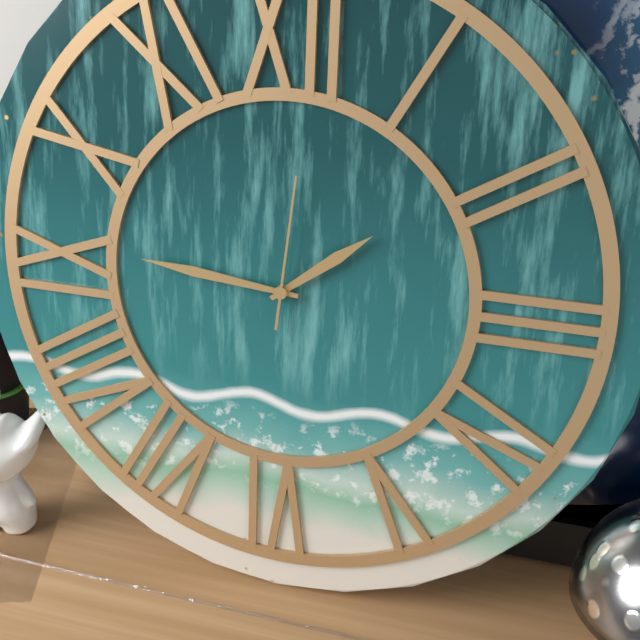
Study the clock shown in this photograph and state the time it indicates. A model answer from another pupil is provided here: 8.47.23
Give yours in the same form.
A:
1.46.01
